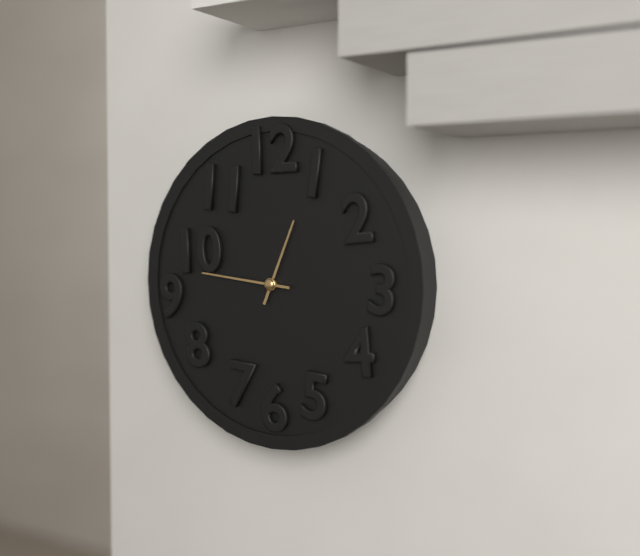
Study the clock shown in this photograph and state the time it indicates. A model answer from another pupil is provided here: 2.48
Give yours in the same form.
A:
12.46
